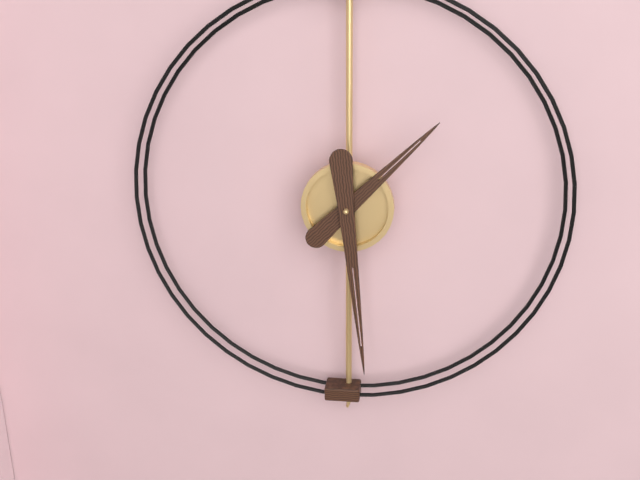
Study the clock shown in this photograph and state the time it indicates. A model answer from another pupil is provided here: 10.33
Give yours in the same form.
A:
1.29
